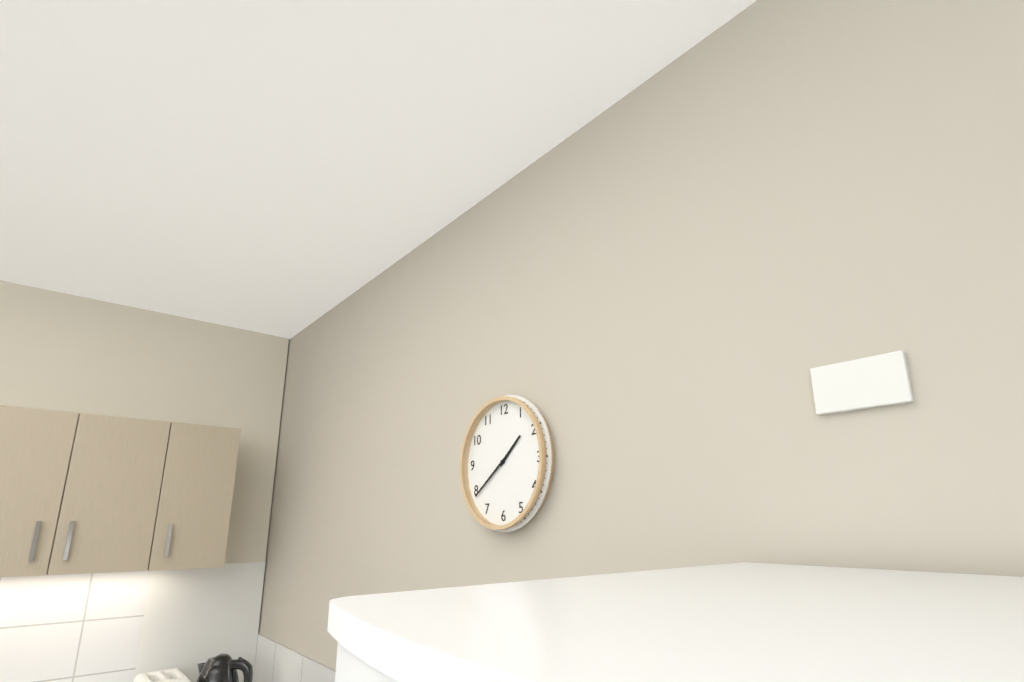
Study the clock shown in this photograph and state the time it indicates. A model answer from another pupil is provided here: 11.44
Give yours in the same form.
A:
1.39
